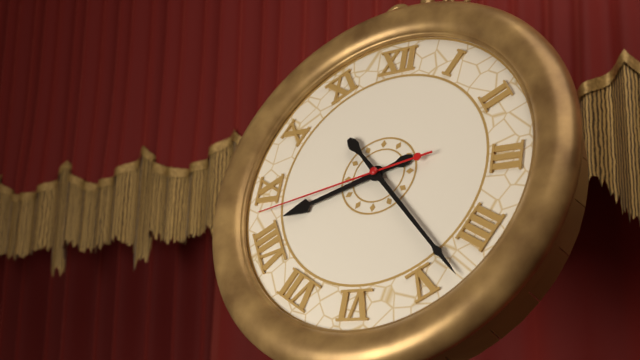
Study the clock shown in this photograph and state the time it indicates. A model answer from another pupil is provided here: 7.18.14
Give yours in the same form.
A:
8.23.43
